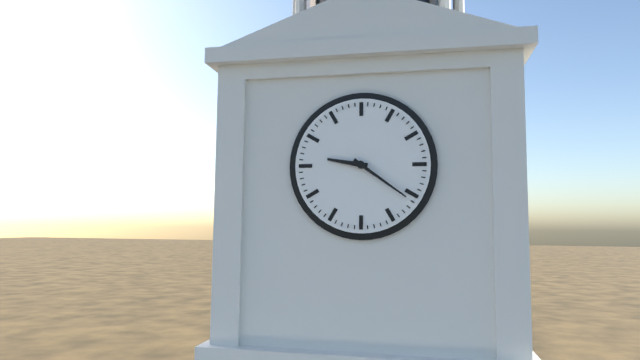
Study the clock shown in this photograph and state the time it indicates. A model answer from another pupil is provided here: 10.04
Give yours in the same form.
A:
9.21
